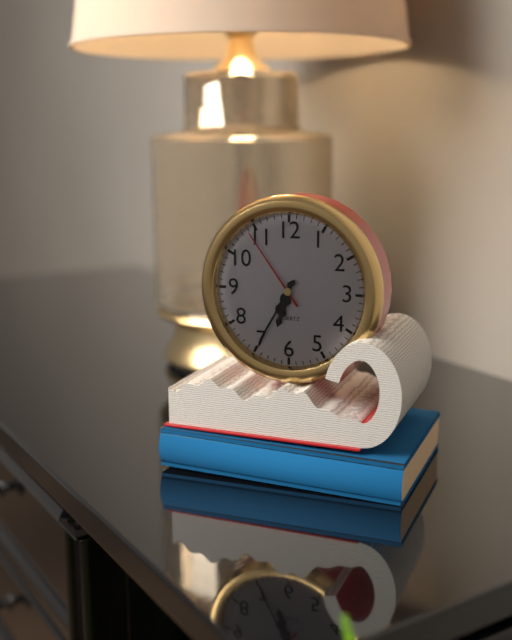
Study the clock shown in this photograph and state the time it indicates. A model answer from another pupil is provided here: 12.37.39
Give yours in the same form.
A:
6.35.54
